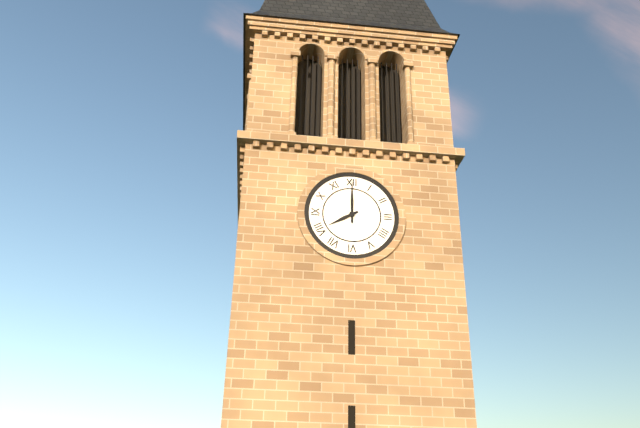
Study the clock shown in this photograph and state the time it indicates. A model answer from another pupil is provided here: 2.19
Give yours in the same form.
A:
8.00
